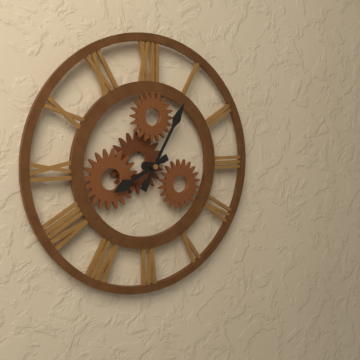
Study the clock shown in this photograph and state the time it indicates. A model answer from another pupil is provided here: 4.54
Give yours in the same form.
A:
8.05
